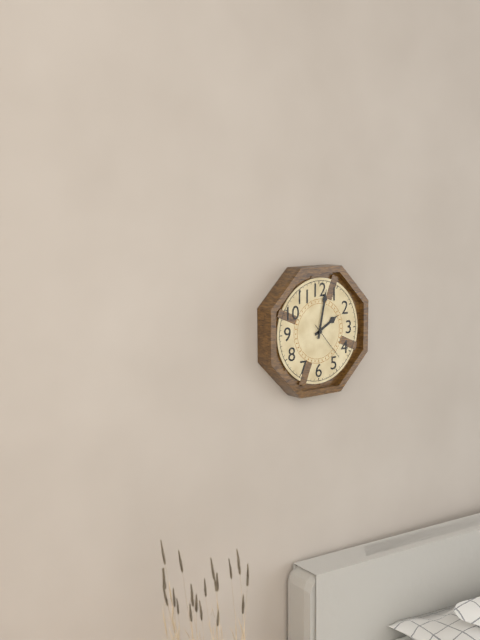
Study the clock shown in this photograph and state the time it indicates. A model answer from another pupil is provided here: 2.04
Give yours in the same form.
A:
2.02
